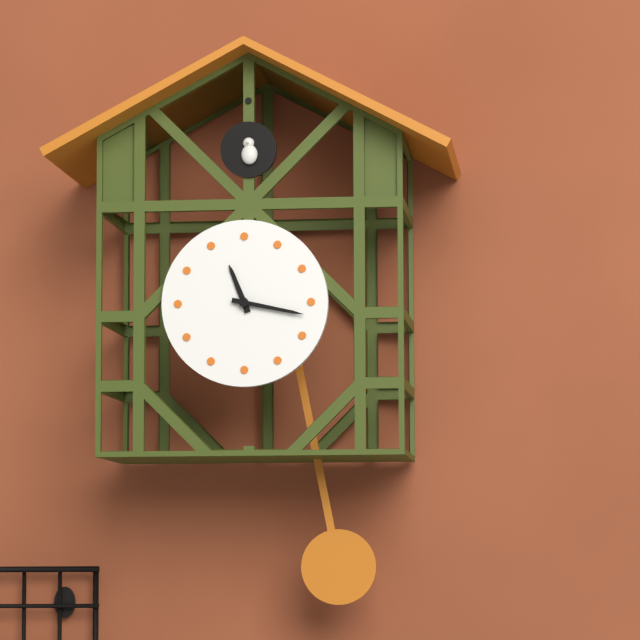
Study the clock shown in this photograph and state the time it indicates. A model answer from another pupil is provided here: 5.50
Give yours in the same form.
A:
11.17
